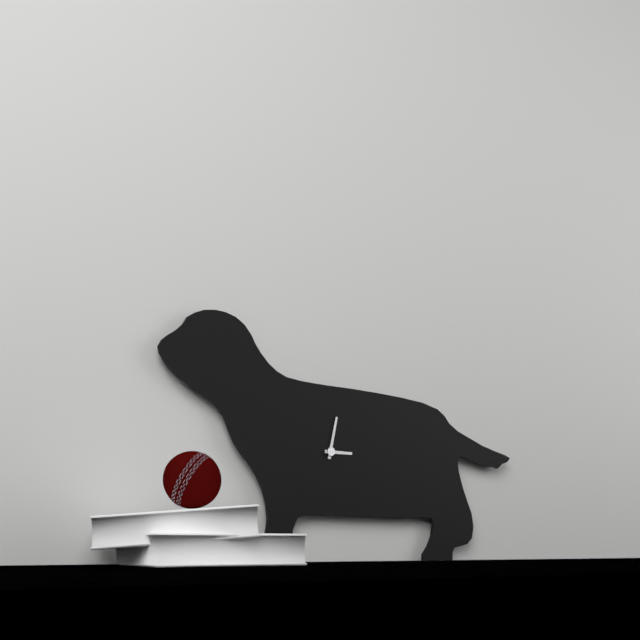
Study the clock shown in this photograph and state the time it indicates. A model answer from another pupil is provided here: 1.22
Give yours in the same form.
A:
3.02
